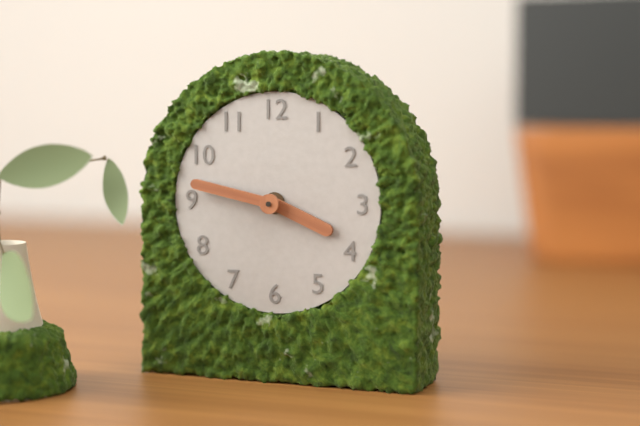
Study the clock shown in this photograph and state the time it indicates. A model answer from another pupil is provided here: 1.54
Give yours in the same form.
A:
3.47
